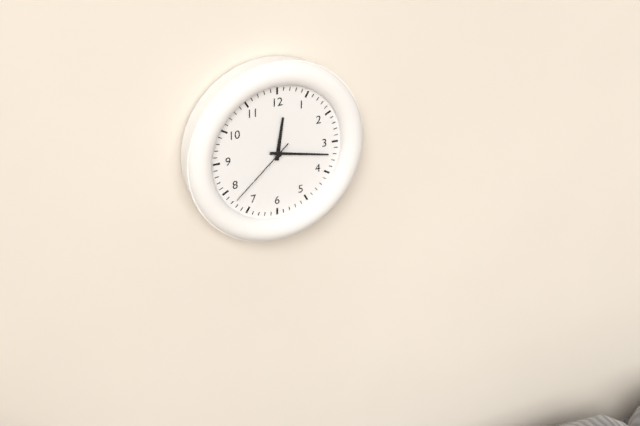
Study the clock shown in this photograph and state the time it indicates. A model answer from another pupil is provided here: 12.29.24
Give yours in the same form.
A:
12.17.38
